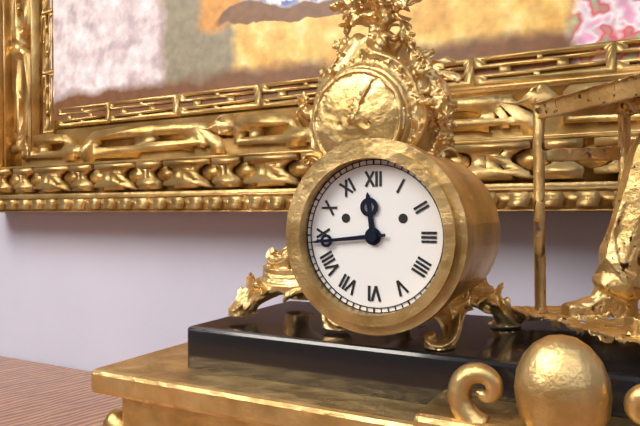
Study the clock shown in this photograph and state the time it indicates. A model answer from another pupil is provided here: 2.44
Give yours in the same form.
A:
11.44
